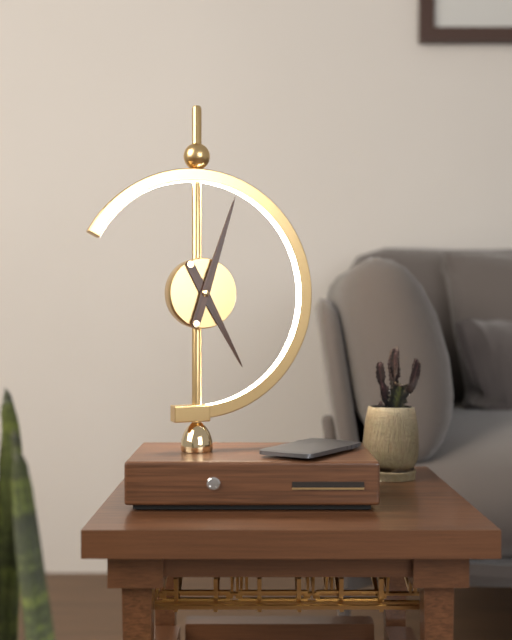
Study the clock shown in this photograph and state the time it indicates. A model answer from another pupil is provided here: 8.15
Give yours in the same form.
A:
5.03
